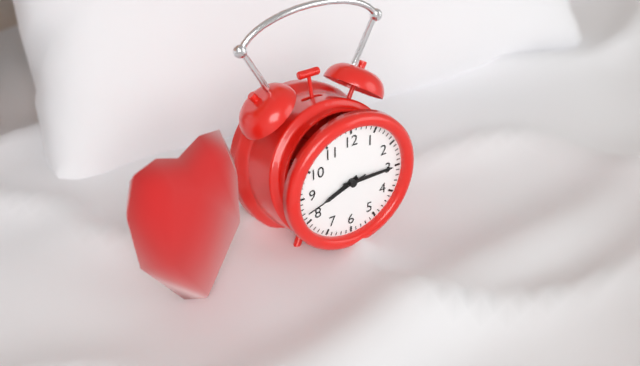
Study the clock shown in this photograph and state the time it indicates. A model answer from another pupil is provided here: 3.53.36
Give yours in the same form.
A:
8.15.42
